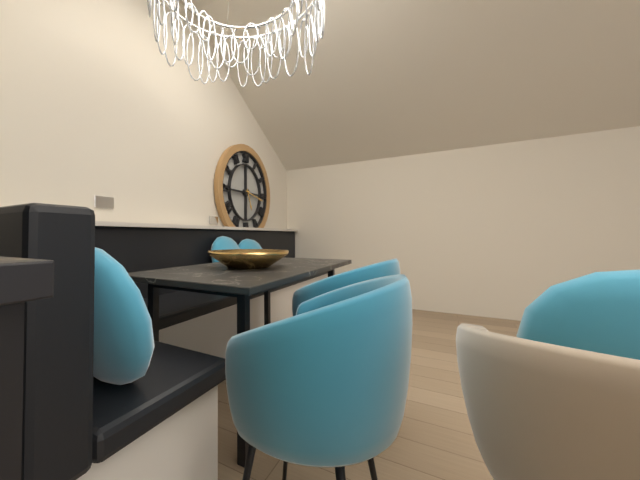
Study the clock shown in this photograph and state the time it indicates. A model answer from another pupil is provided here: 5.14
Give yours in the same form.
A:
5.17
